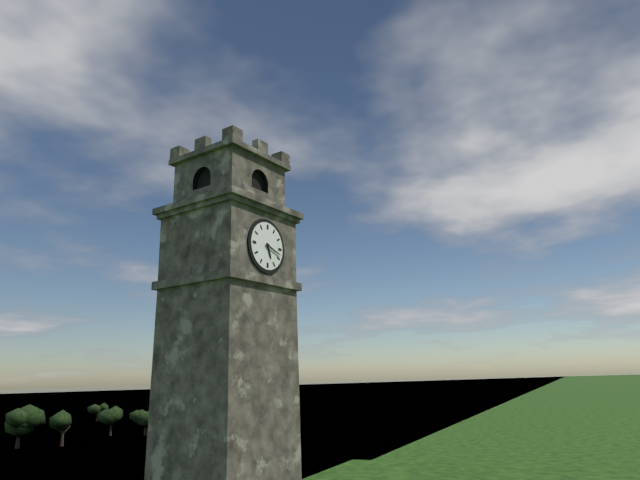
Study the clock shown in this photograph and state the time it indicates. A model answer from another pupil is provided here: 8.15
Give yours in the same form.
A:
5.18
